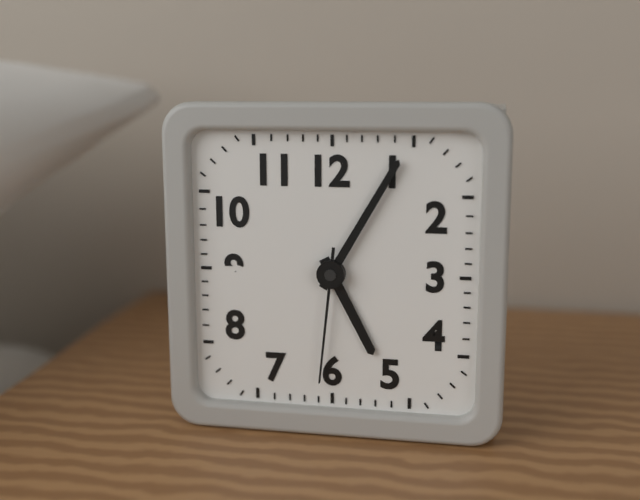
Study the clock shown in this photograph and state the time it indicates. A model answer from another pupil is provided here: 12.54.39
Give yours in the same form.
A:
5.05.31
